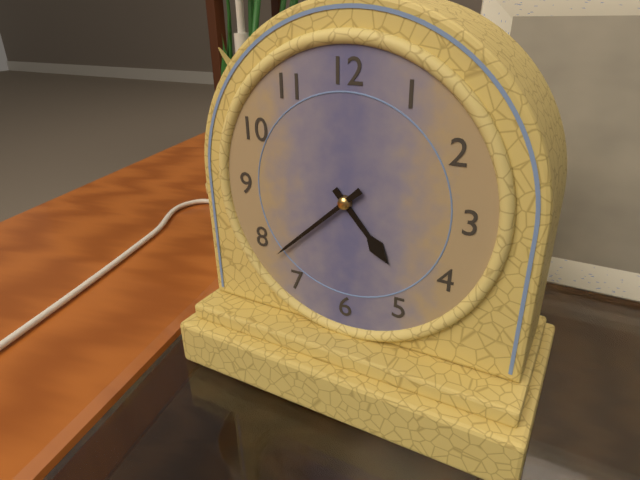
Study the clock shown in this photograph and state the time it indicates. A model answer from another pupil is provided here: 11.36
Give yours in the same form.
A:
4.38
